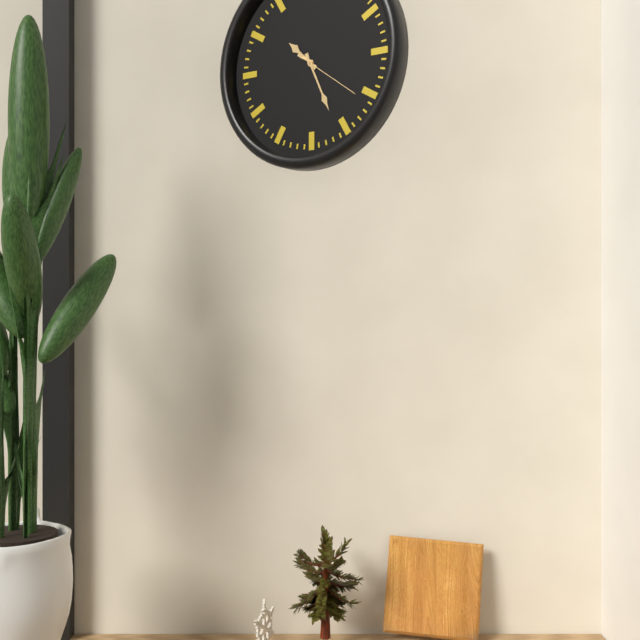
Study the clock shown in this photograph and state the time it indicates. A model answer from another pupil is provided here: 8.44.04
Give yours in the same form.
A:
10.26.21
